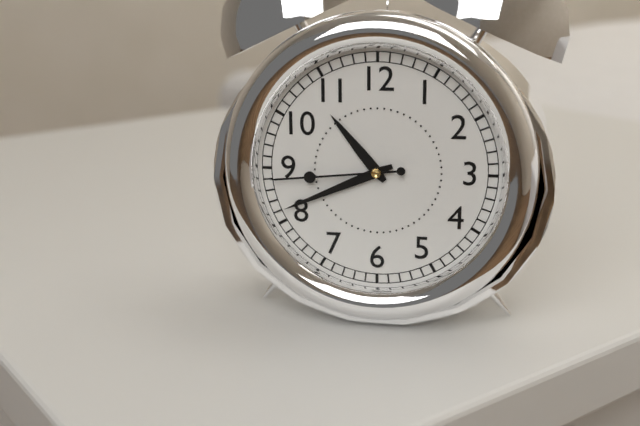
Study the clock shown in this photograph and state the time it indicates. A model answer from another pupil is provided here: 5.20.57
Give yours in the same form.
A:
10.41.44
